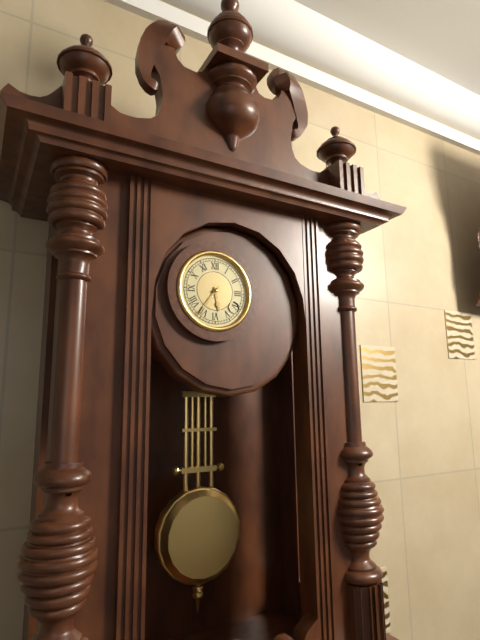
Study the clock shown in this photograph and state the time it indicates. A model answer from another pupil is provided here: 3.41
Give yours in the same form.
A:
5.36
